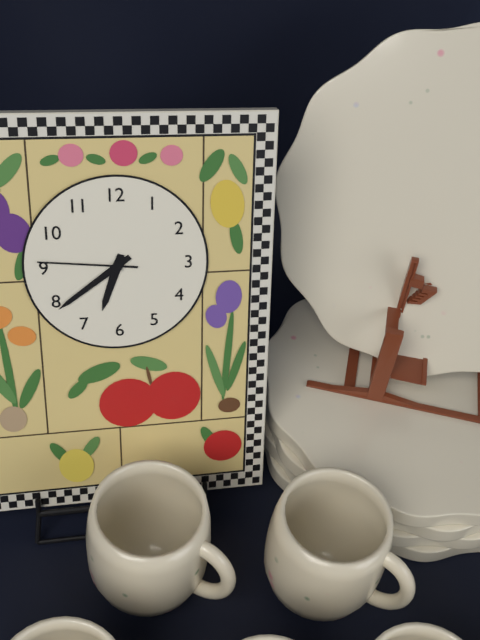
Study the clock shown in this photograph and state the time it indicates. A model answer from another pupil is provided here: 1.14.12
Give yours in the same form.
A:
6.39.46
